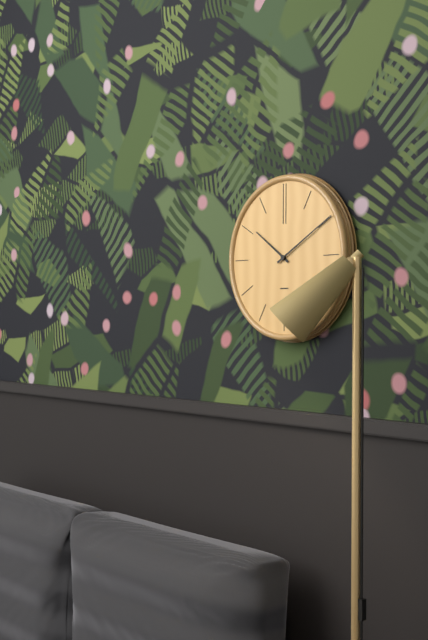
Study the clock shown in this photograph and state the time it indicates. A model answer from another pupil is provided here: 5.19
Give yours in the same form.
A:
10.10
